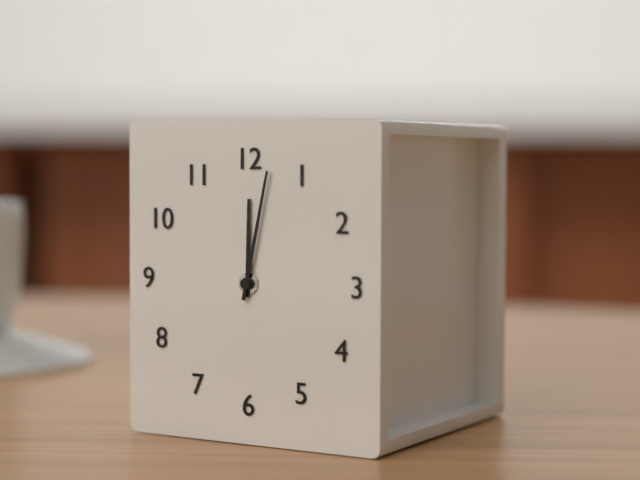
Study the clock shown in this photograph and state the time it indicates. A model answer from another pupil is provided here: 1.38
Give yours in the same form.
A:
12.02
